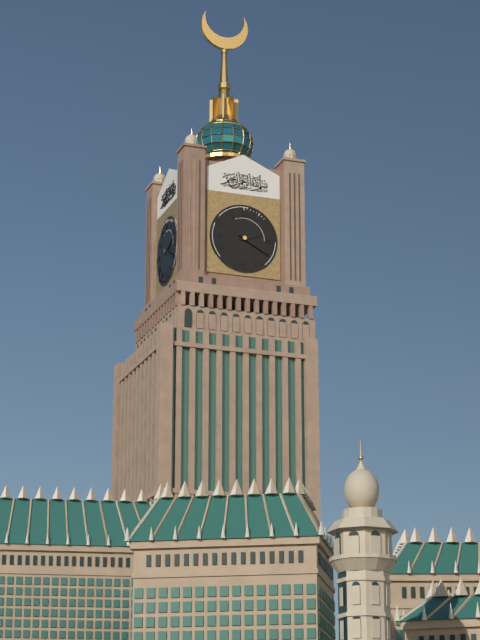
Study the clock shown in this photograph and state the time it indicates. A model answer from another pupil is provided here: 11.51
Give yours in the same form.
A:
2.20
